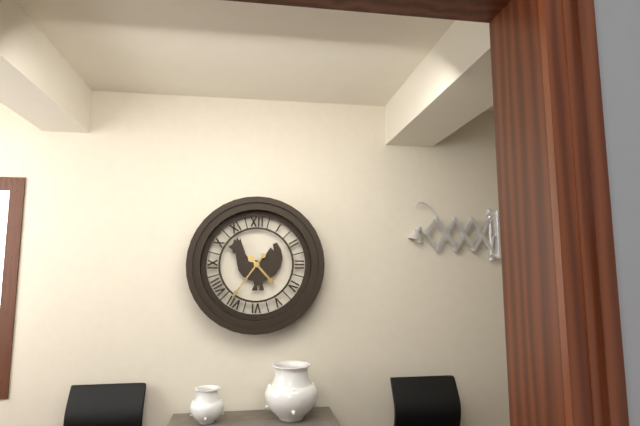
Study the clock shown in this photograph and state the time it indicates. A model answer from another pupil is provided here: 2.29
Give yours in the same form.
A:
4.36
